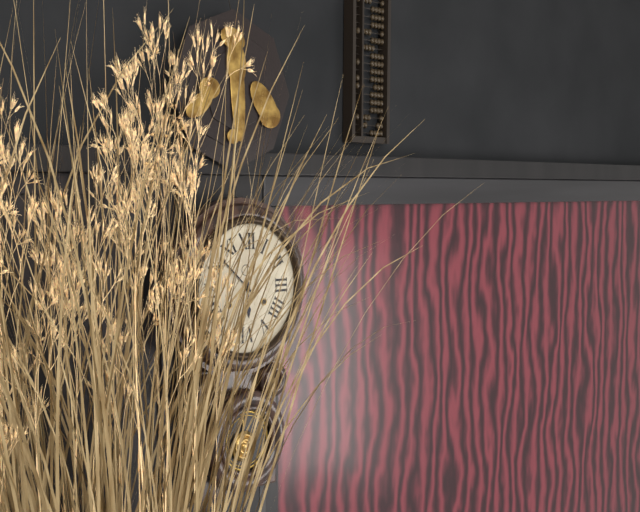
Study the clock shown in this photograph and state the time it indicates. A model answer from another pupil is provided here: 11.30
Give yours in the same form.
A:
5.52
